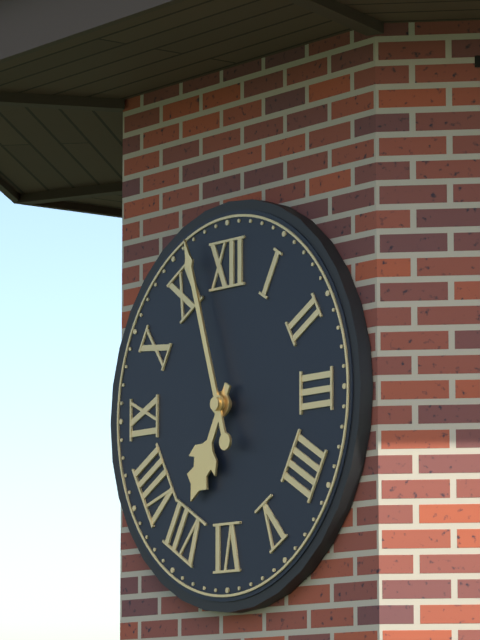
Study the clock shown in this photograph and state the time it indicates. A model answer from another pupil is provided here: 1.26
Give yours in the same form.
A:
6.57
